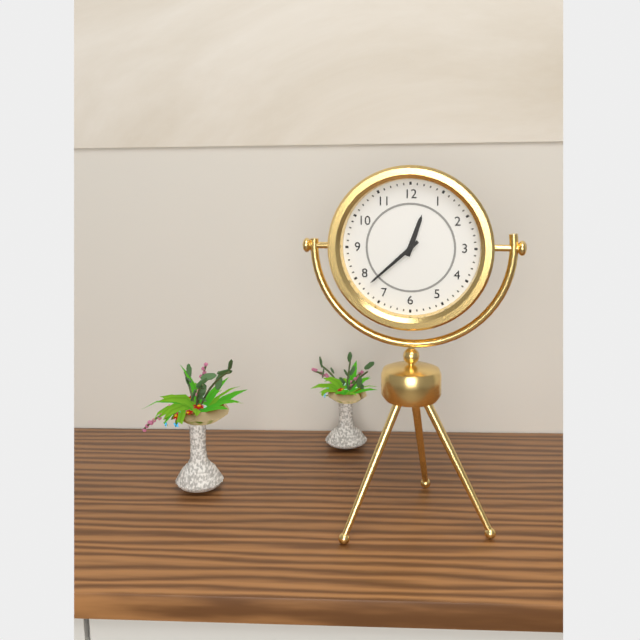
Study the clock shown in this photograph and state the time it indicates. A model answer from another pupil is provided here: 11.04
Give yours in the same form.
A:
12.38
